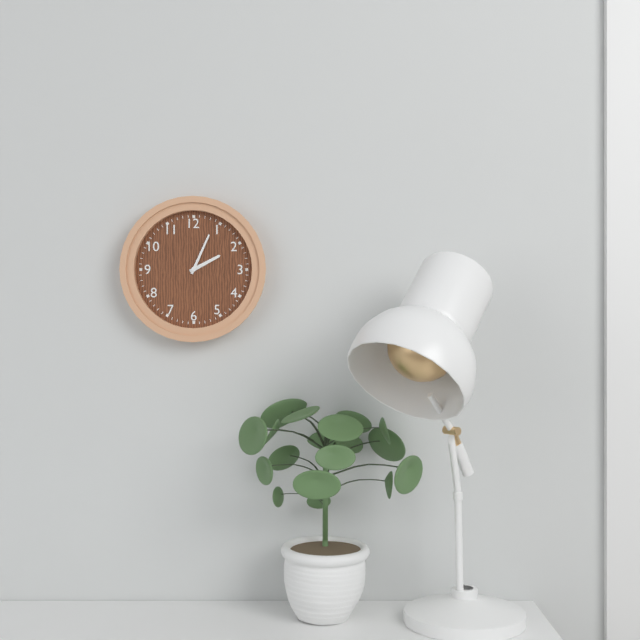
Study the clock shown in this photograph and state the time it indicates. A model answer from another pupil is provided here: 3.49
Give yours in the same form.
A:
2.04
